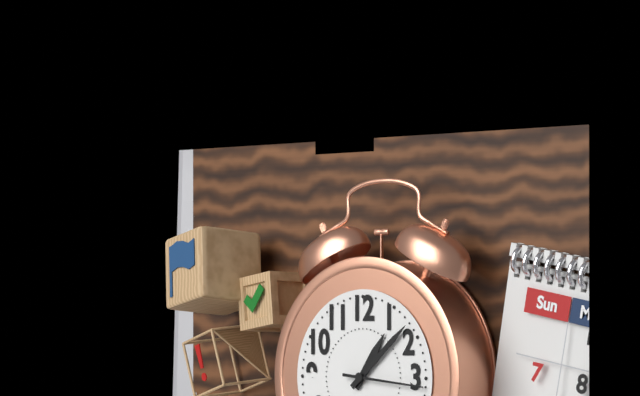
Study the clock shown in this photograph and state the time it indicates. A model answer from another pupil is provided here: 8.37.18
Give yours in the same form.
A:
1.08.16
